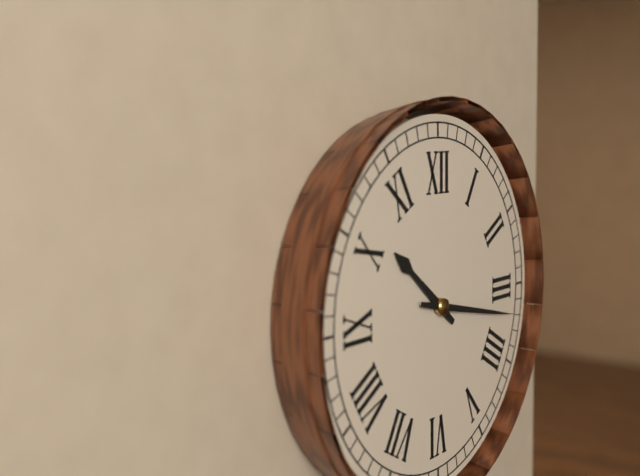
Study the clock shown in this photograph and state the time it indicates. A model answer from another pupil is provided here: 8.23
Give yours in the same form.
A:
10.17
